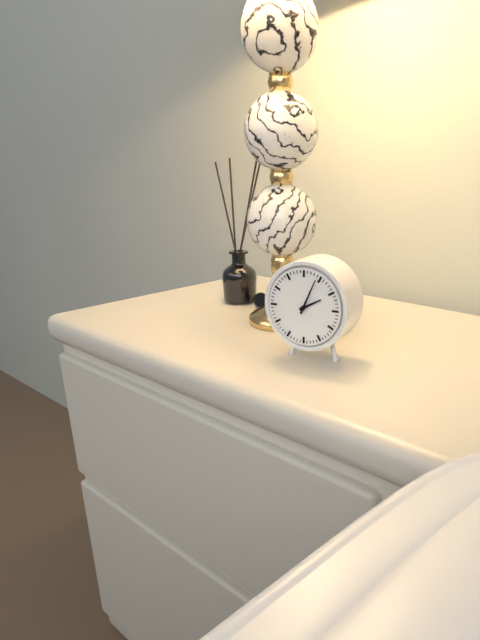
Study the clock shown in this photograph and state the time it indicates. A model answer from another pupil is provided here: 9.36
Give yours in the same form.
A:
2.04
